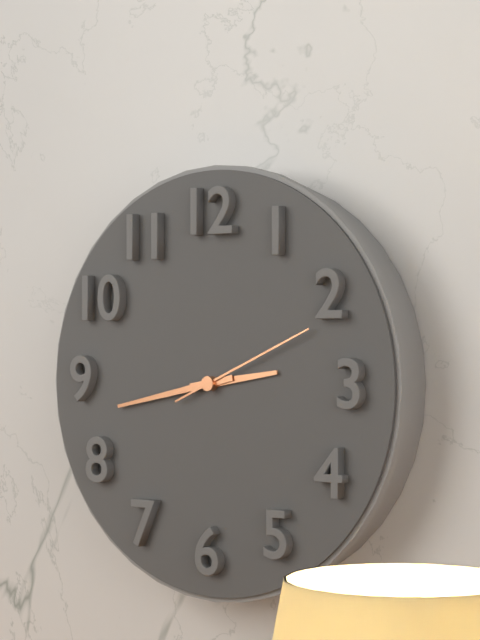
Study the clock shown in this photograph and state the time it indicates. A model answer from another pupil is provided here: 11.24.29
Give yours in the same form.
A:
2.43.11
